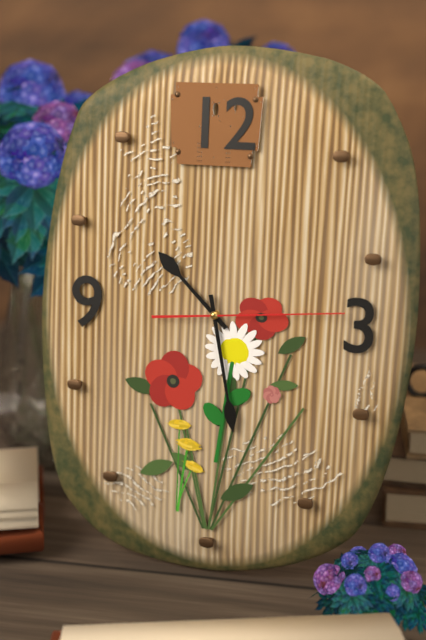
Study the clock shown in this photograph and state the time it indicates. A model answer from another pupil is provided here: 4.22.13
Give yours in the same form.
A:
10.28.14
